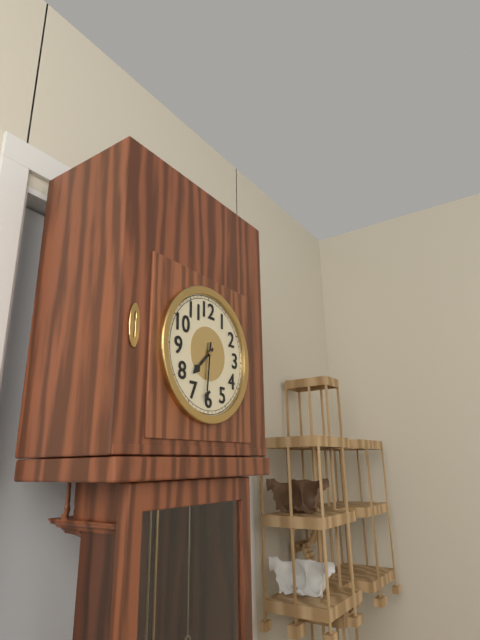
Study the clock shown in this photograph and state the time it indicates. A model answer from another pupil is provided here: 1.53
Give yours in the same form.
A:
7.31
